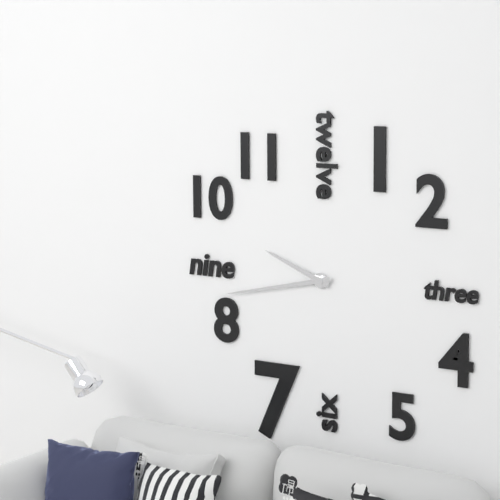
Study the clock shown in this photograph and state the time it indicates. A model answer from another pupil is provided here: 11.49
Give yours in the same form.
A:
9.43
